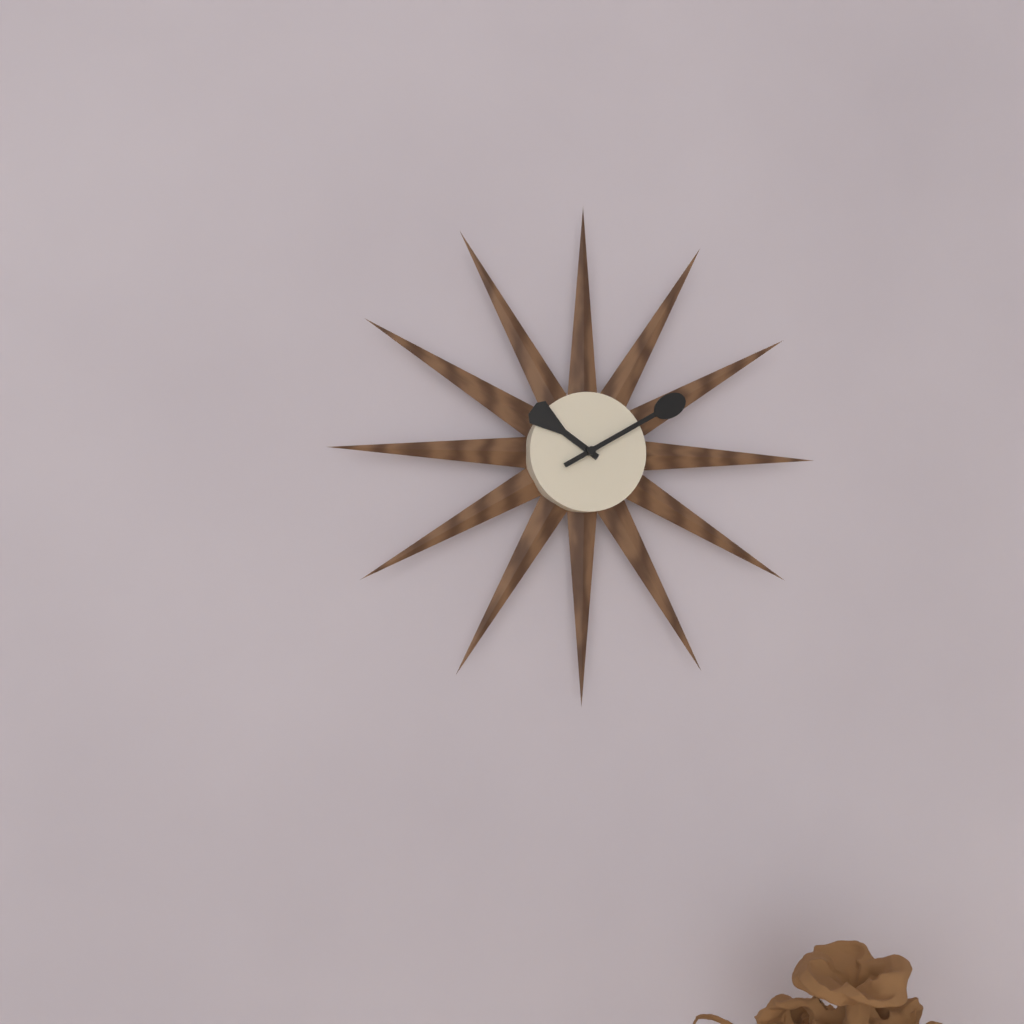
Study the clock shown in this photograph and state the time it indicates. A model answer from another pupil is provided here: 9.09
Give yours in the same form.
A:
10.10
